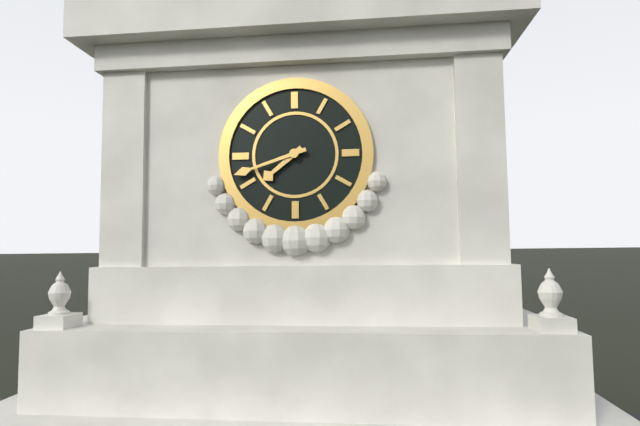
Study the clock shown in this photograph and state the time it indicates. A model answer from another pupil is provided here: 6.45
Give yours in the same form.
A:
7.42
